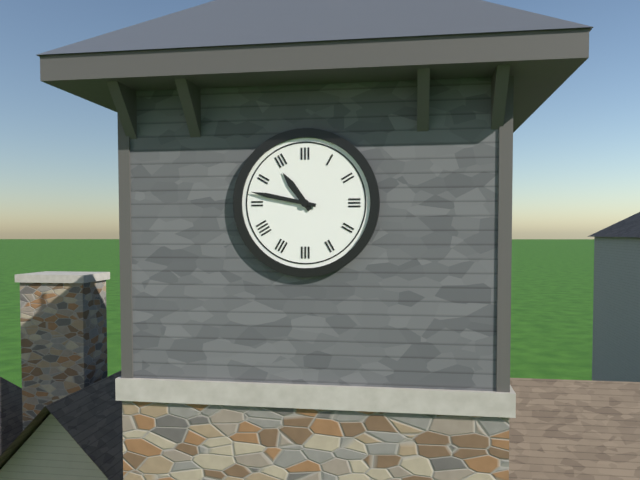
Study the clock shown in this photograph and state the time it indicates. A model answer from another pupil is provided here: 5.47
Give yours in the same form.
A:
10.47
